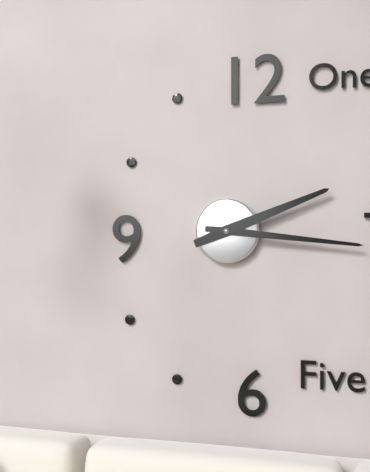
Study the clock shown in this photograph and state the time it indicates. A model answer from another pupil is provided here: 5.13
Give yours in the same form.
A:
2.16
